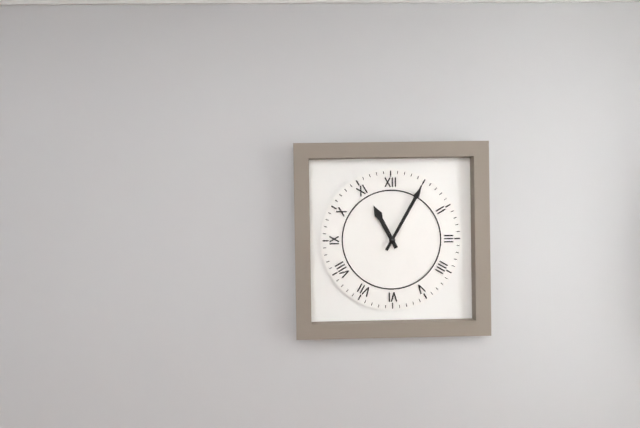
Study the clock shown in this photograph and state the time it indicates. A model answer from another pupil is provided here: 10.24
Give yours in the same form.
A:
11.05
